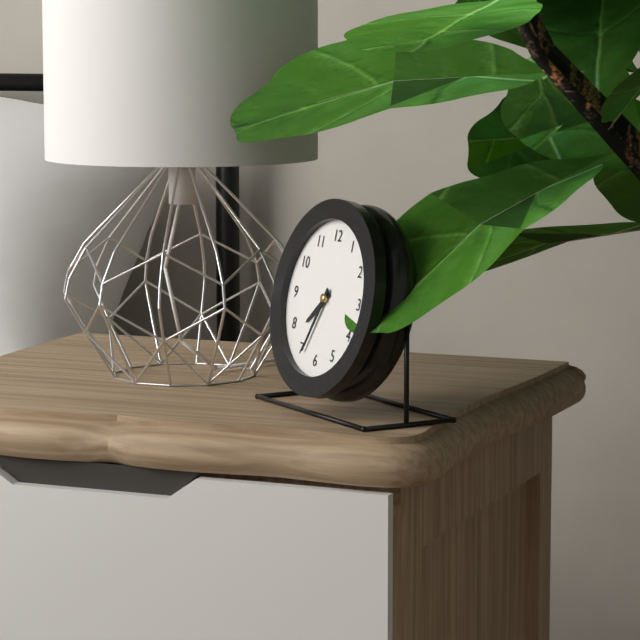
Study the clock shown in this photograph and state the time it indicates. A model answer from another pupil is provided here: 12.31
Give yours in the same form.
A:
7.34
